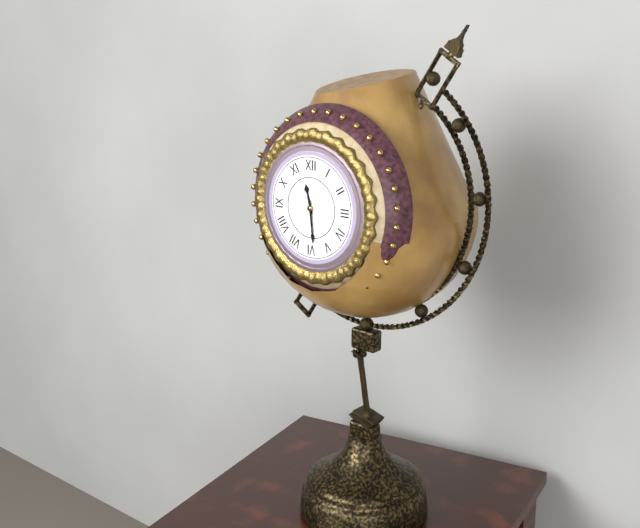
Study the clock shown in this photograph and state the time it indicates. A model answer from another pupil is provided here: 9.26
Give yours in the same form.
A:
11.29
